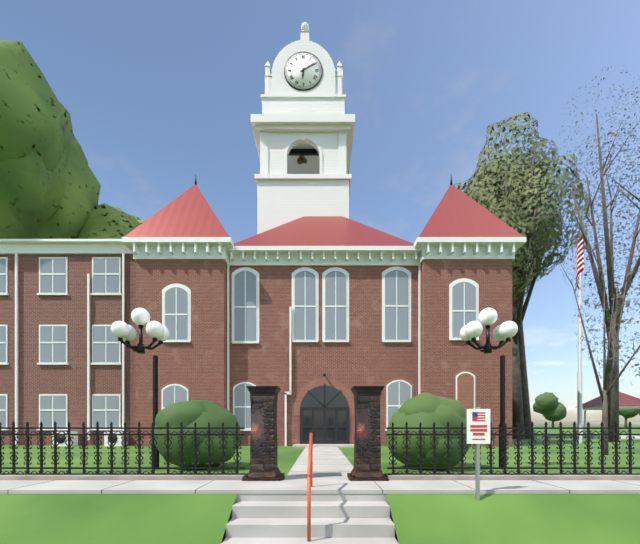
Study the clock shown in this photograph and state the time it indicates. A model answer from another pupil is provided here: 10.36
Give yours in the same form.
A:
6.10
